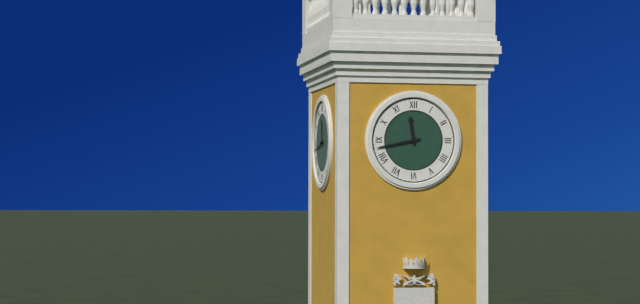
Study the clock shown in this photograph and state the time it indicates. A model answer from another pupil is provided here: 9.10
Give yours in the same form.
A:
11.43
